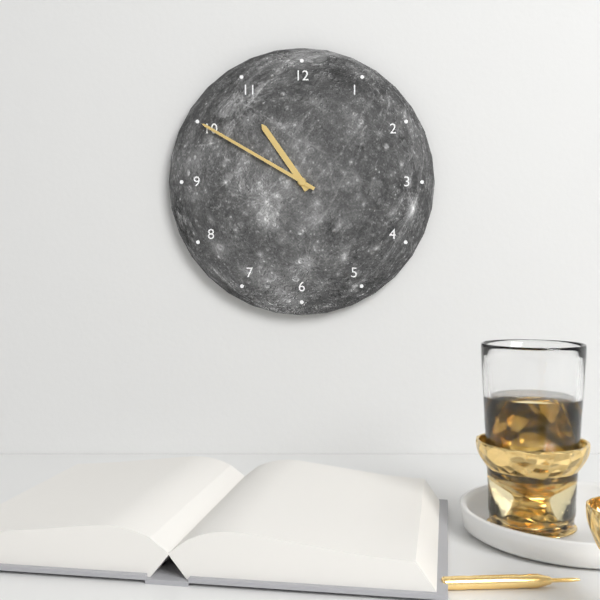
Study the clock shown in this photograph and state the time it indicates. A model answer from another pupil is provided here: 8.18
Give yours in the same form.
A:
10.50
